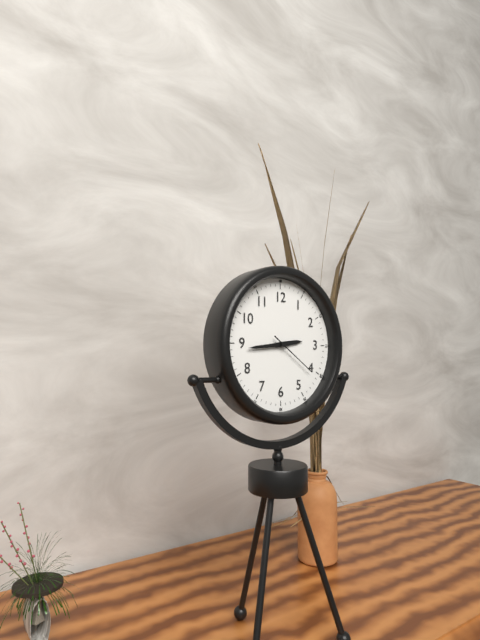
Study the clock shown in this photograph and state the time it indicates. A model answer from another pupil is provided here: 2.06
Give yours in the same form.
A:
2.44
